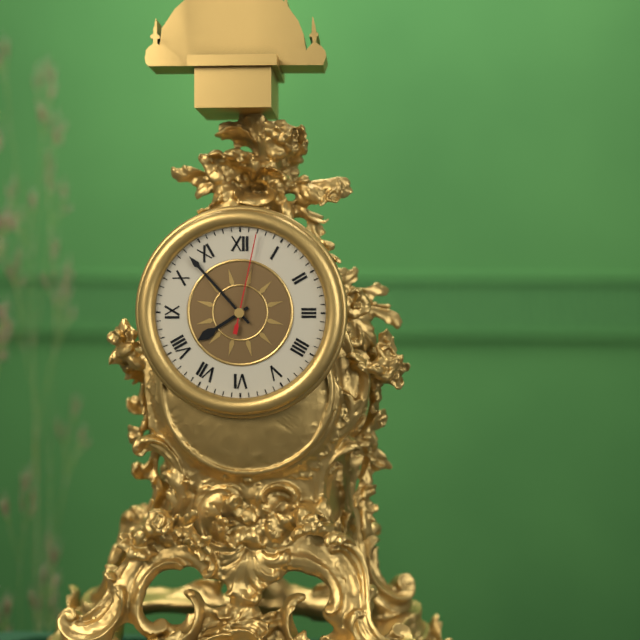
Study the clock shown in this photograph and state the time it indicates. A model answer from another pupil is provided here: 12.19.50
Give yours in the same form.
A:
7.53.02
